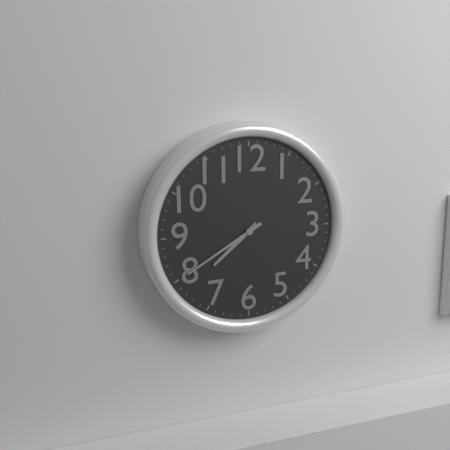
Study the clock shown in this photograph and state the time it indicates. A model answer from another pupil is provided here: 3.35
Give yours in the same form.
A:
7.40
